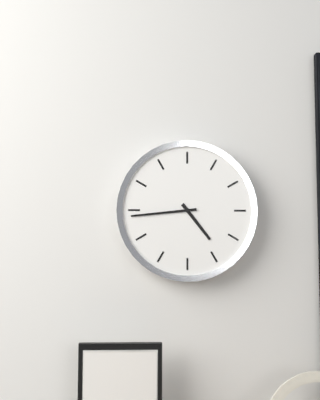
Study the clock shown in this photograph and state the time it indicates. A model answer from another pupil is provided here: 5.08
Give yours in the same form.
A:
4.44
